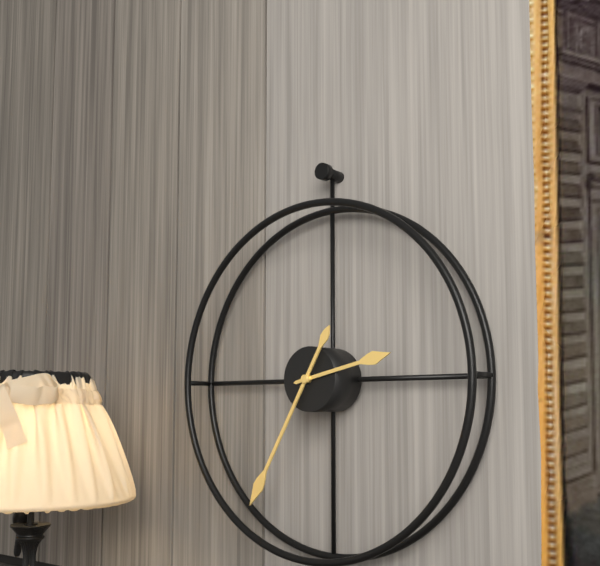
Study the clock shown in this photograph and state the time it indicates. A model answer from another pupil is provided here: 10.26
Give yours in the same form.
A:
2.35
